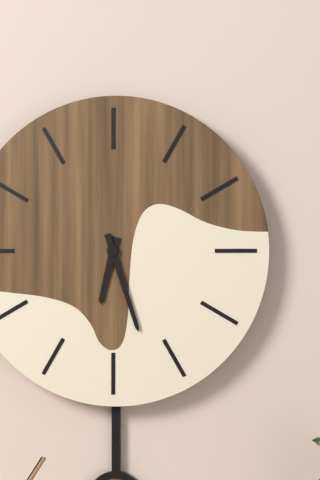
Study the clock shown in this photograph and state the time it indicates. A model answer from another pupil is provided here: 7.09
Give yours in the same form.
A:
6.27
